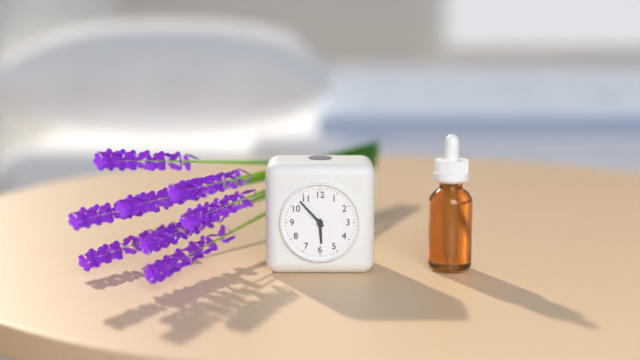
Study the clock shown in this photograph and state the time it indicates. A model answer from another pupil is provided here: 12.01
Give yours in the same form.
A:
5.53
